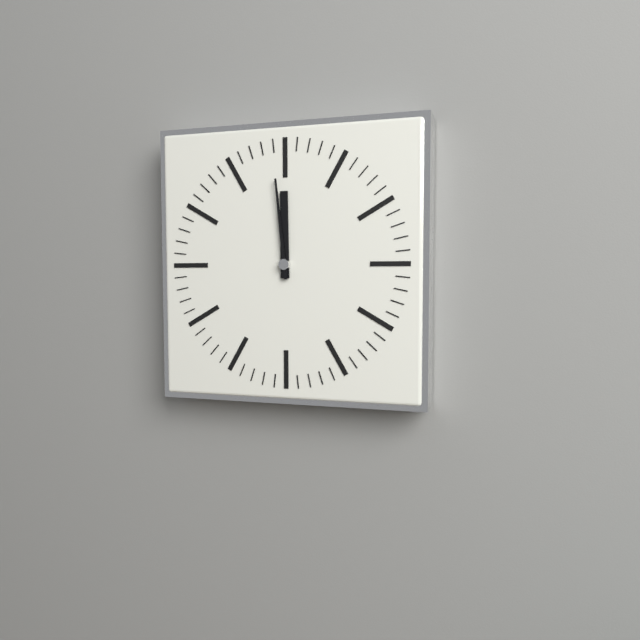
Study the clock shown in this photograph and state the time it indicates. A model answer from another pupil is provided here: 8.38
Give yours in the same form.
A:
11.59
